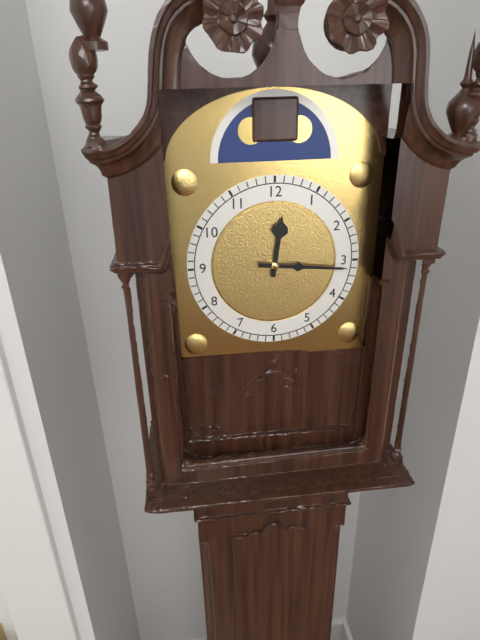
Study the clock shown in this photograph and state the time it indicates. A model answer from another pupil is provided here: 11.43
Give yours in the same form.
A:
12.16
